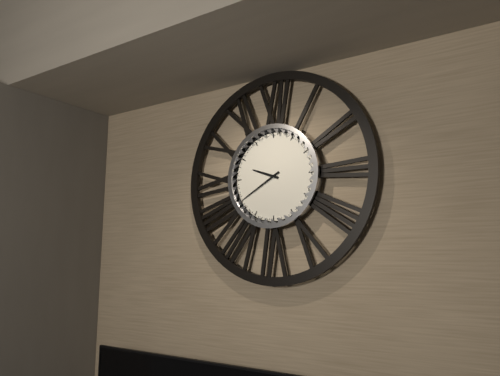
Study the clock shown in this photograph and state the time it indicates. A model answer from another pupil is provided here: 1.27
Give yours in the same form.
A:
9.40
